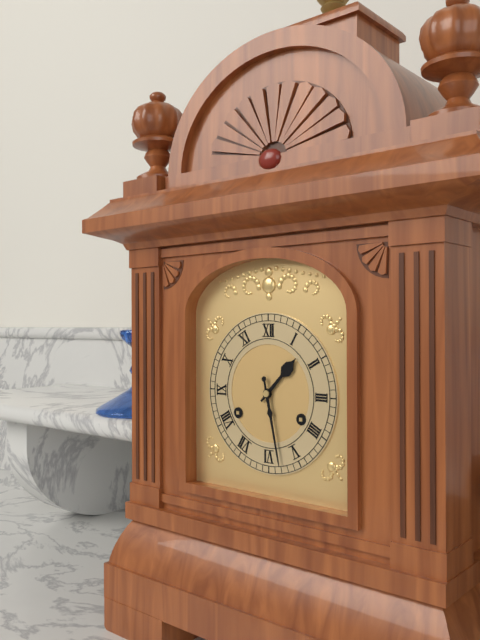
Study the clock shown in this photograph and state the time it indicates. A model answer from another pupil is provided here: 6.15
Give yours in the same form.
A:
1.28
